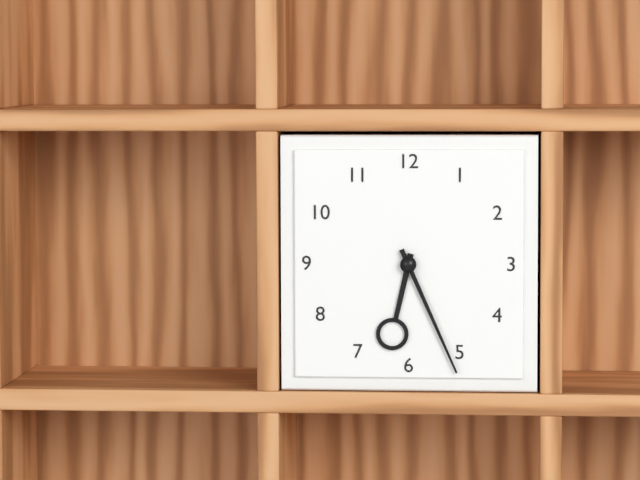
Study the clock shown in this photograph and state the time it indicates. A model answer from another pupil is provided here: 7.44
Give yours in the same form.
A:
6.26
